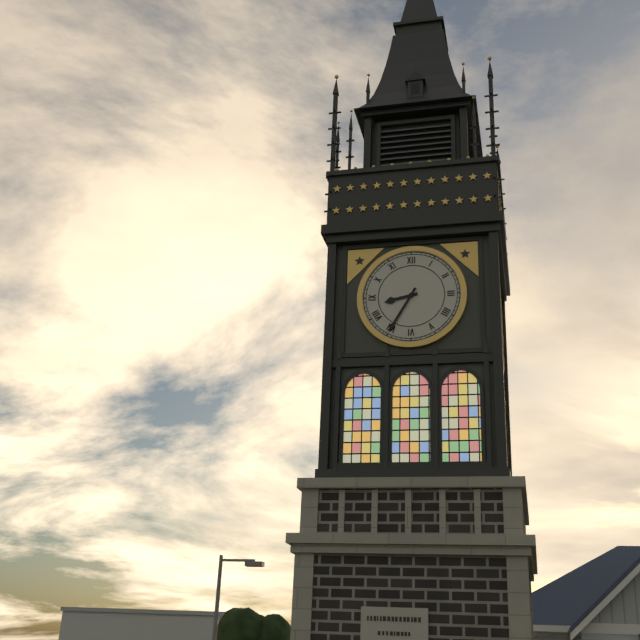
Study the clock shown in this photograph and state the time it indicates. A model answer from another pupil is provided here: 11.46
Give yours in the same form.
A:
8.35
